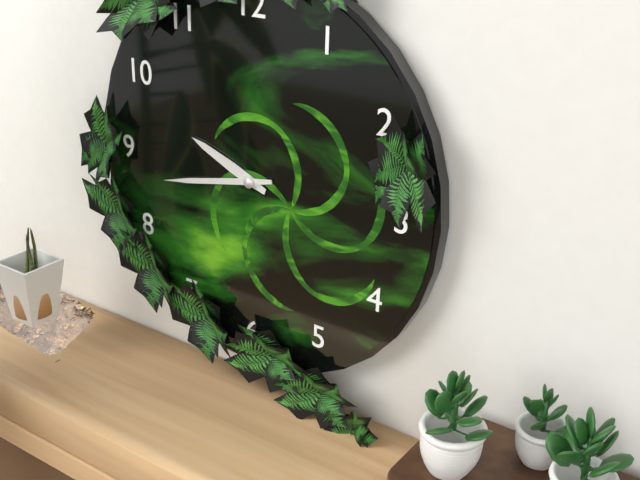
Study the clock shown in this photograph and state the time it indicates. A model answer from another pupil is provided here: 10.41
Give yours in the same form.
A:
9.43
